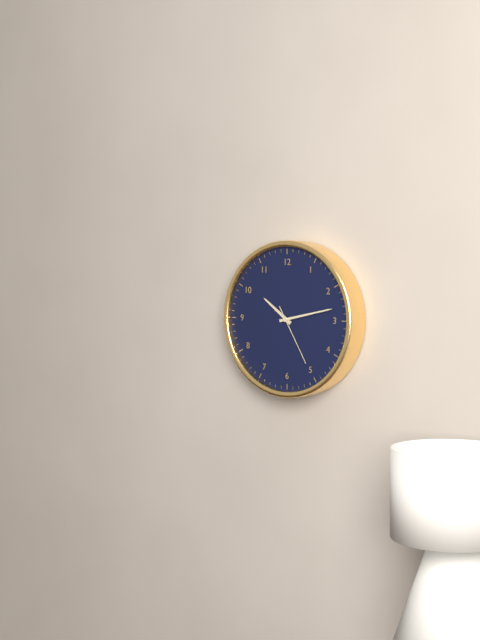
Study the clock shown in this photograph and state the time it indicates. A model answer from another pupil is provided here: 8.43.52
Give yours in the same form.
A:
10.13.25
